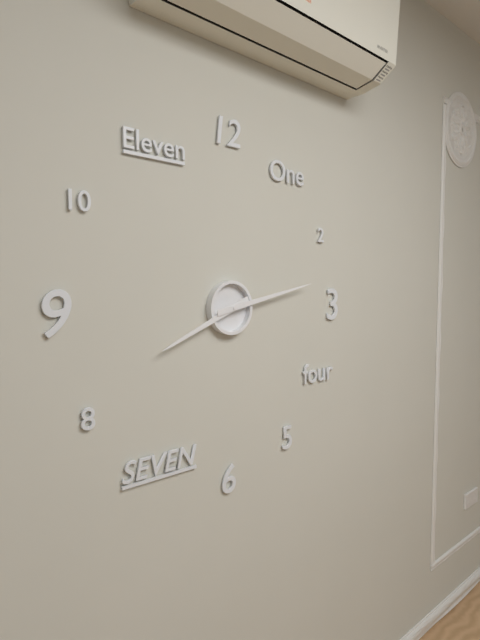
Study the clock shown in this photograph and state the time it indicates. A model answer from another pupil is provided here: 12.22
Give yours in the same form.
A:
8.13
